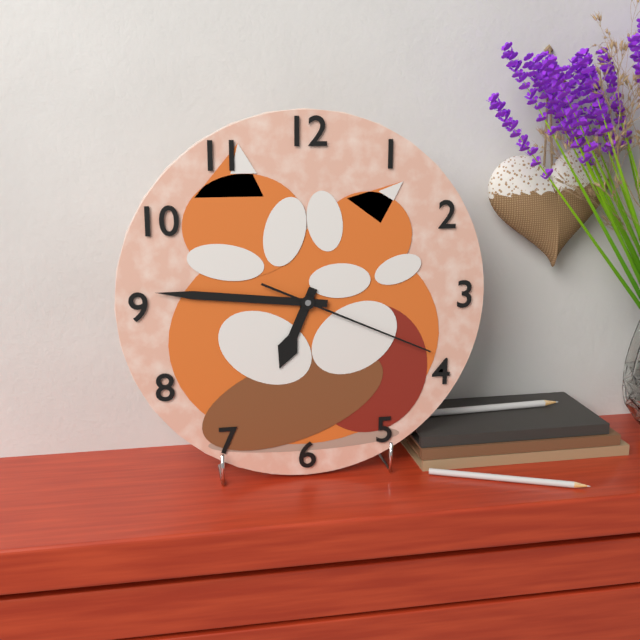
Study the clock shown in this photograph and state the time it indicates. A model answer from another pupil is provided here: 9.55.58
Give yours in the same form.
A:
6.46.19
